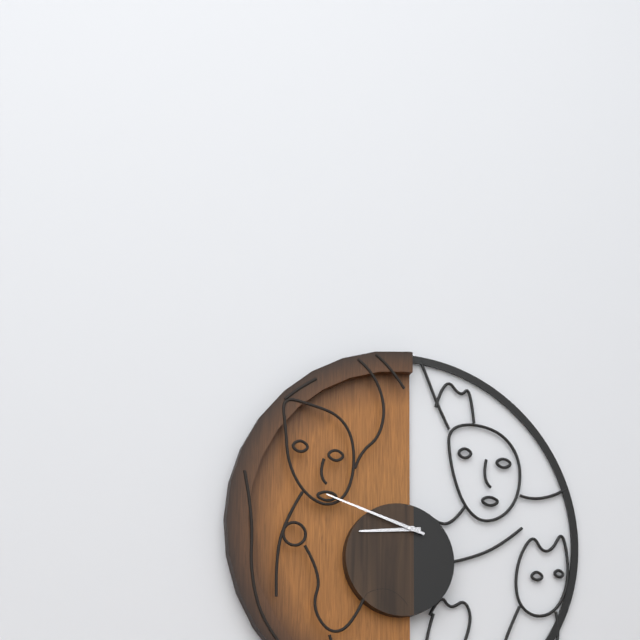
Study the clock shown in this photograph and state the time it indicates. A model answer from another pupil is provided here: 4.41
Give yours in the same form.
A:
8.48
